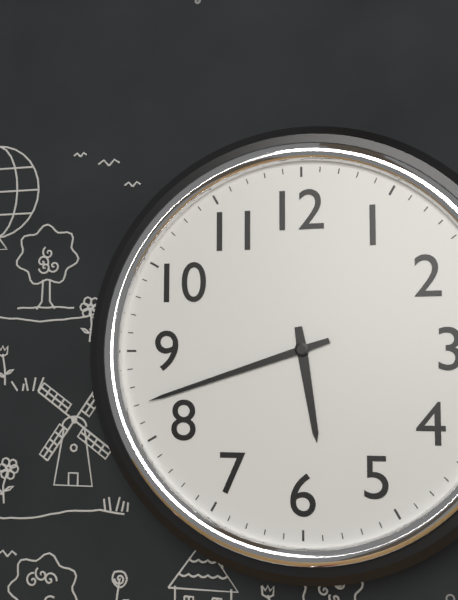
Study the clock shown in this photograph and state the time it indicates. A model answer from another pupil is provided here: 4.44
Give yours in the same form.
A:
5.42
